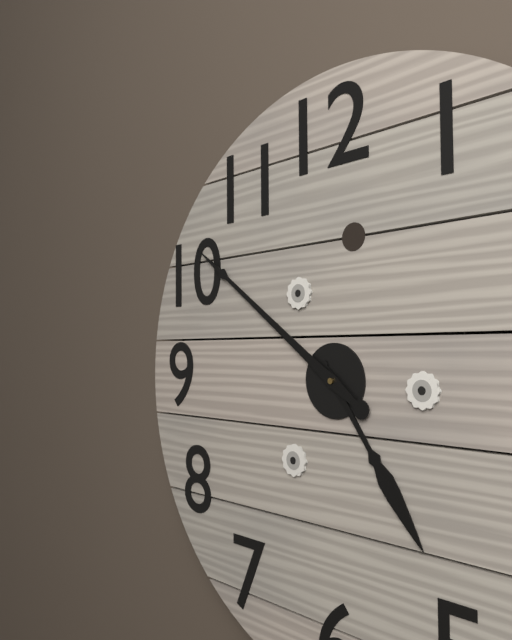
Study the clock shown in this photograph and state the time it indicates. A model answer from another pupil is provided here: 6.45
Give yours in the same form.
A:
4.51
